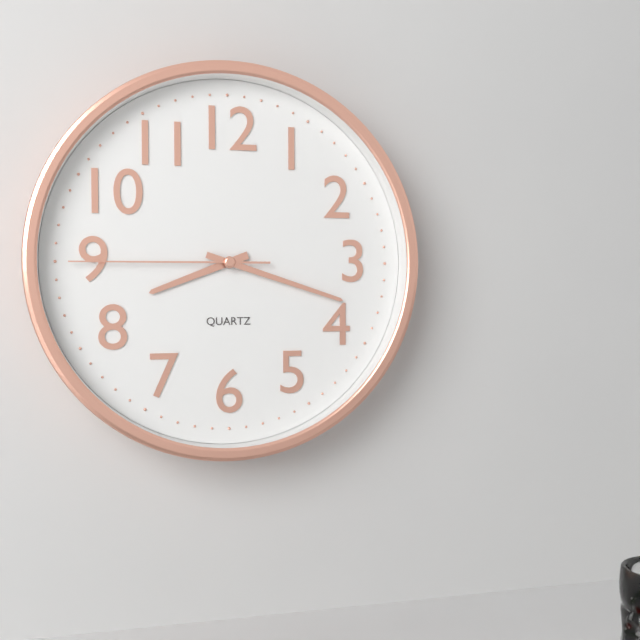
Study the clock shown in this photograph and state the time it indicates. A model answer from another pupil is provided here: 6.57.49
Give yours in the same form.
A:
8.18.45
